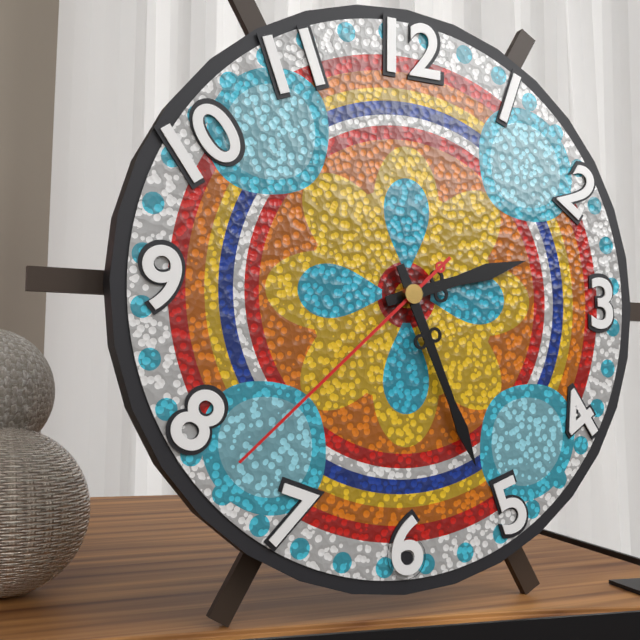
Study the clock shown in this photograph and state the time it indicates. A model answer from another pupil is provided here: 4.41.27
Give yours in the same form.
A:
2.26.38
